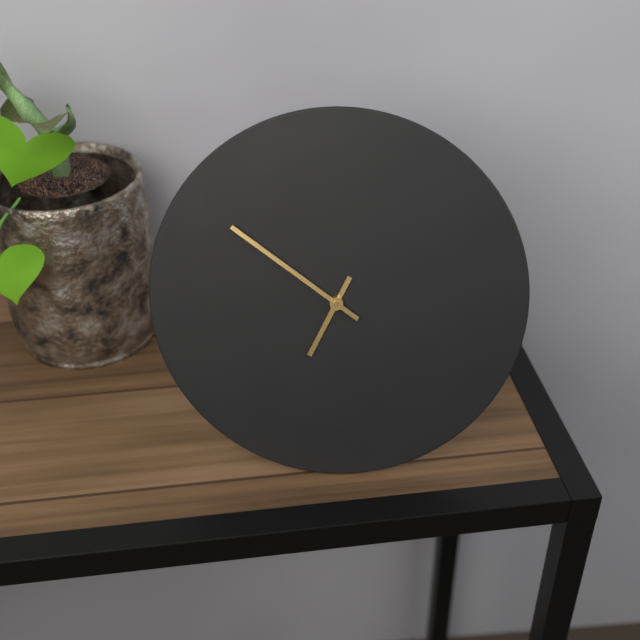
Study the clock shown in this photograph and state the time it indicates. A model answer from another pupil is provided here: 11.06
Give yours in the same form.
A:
6.51
